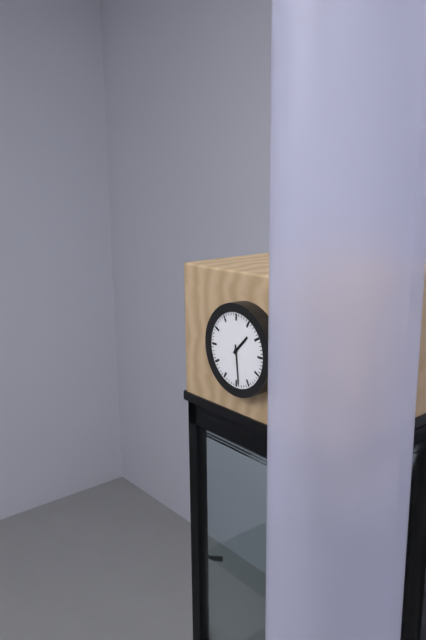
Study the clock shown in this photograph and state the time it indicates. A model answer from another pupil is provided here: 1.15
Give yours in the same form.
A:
1.29
